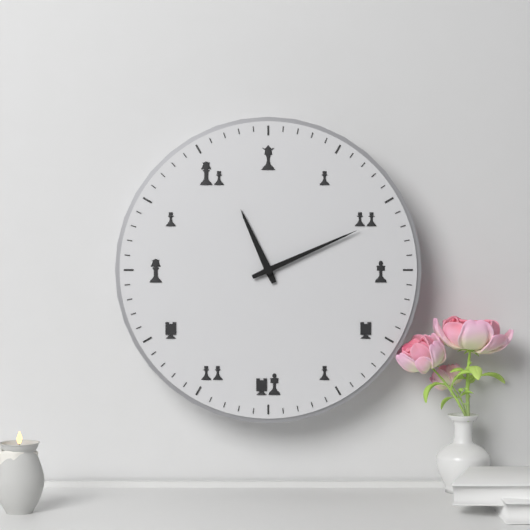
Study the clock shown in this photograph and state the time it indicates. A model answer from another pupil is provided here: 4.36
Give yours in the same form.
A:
11.11
